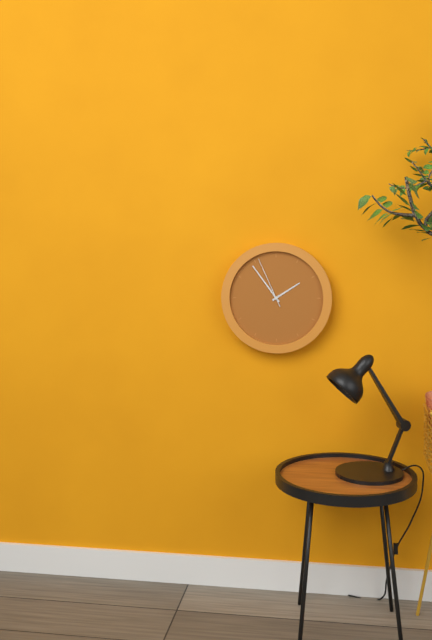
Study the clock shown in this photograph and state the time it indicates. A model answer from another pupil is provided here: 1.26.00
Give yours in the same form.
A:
1.54.56
